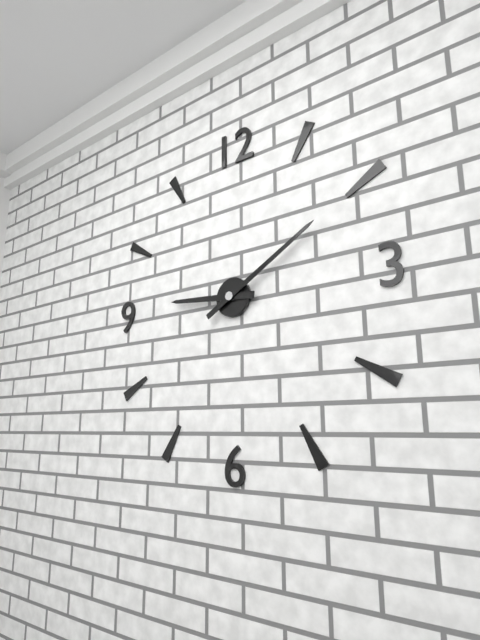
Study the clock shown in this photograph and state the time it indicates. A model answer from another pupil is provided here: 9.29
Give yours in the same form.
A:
9.10
